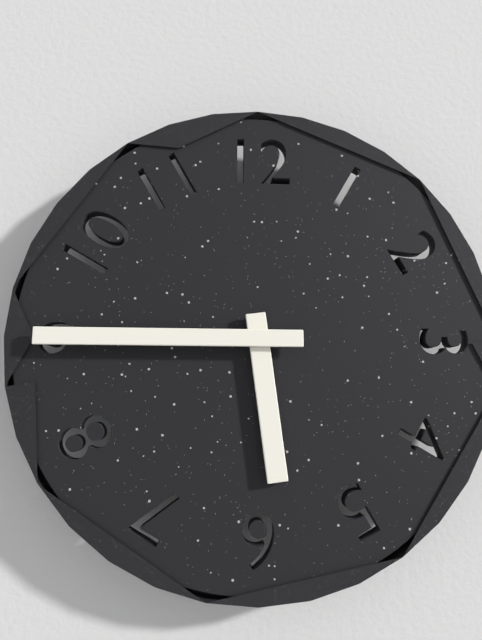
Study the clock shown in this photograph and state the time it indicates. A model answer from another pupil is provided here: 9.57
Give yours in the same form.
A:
5.45
